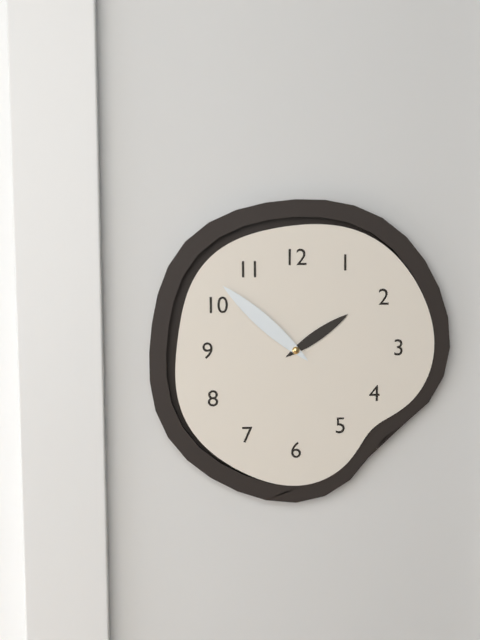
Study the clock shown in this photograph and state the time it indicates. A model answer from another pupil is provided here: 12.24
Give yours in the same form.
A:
1.52
